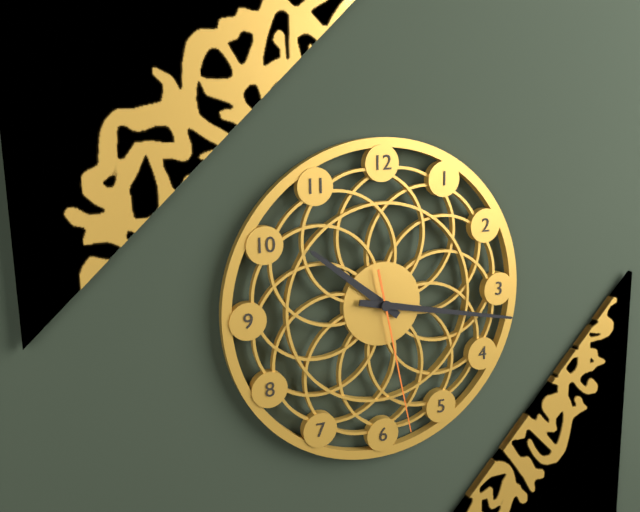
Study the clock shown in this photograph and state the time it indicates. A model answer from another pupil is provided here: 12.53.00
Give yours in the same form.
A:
10.17.28
